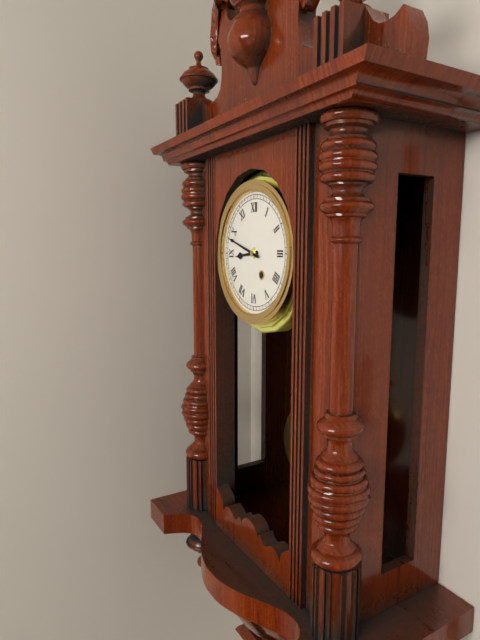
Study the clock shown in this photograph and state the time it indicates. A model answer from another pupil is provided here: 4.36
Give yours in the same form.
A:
8.48
